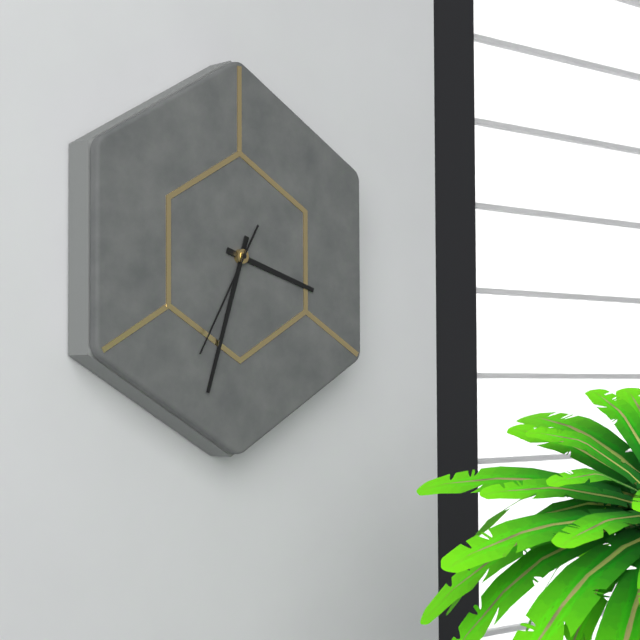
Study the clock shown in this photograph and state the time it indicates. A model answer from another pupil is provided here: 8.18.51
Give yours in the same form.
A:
3.33.35
